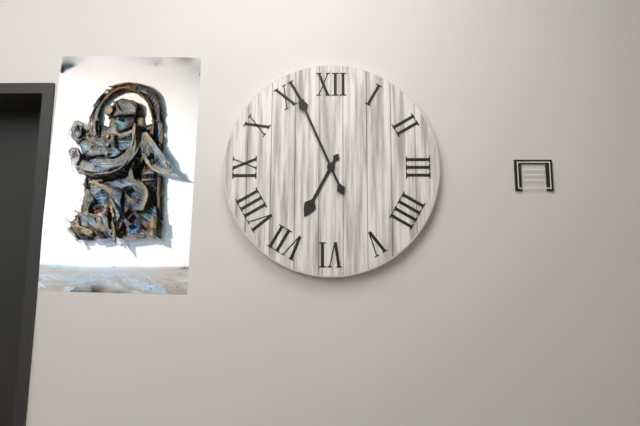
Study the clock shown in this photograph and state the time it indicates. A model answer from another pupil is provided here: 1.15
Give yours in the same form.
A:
6.56
